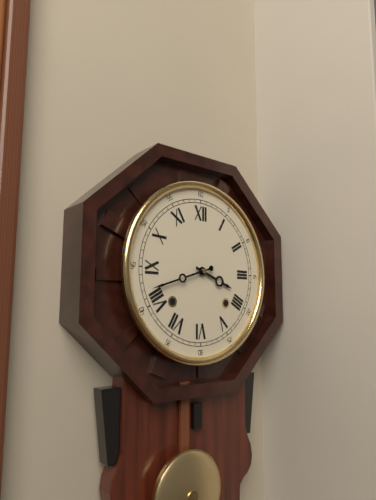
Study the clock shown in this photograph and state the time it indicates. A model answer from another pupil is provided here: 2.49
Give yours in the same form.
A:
3.42
